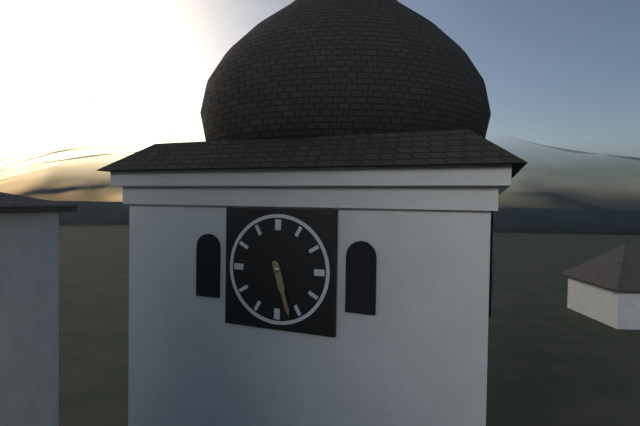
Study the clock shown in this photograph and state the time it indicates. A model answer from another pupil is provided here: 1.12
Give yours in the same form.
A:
5.27
